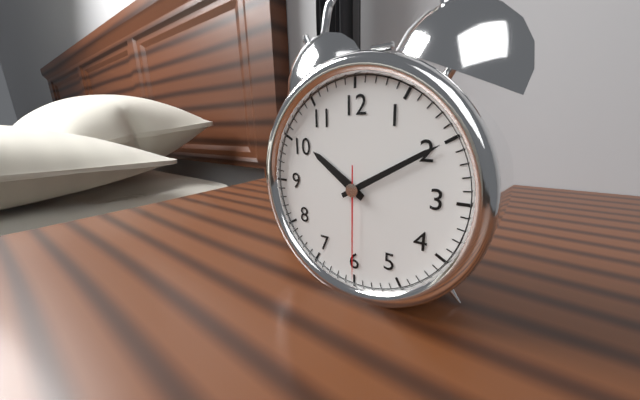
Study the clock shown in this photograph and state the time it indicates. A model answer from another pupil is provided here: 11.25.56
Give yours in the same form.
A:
10.10.30
